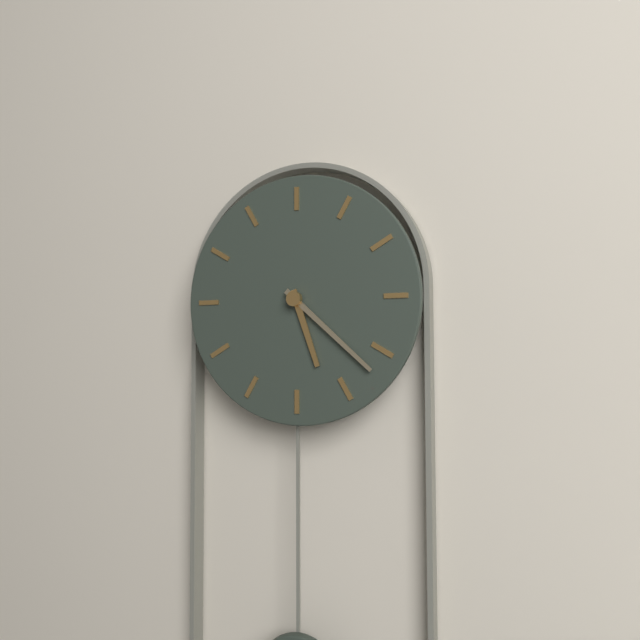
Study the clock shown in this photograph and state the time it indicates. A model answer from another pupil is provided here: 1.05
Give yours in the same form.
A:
5.22
